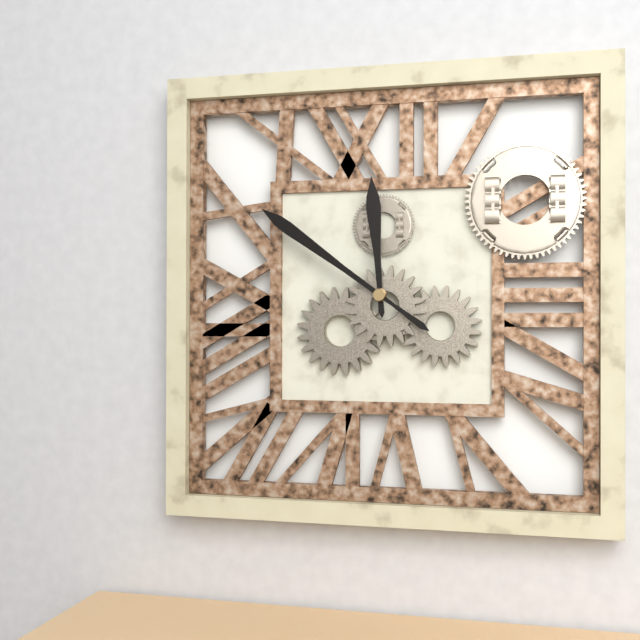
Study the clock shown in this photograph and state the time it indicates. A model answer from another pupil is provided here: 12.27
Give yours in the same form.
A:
11.51
